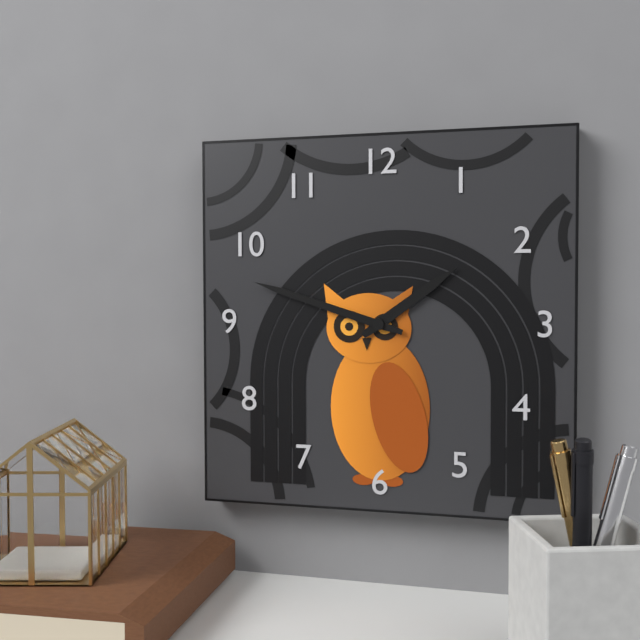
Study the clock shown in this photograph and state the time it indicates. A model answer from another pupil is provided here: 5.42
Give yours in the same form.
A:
1.48
